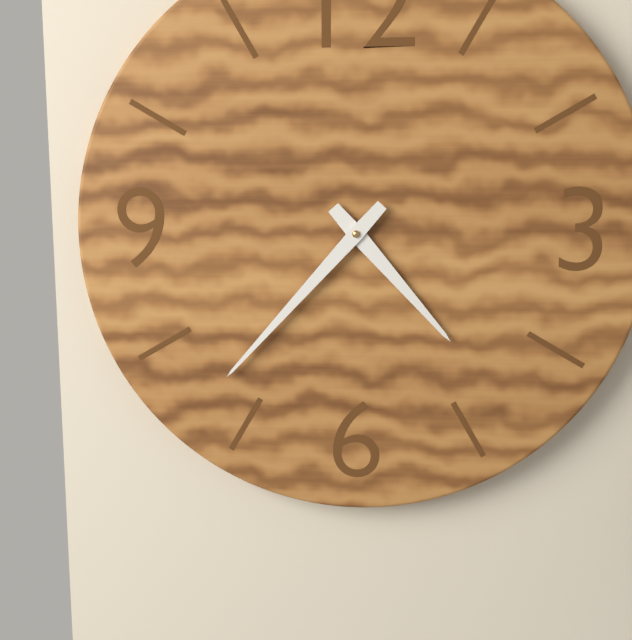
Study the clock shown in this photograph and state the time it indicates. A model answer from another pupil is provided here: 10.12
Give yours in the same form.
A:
4.37
